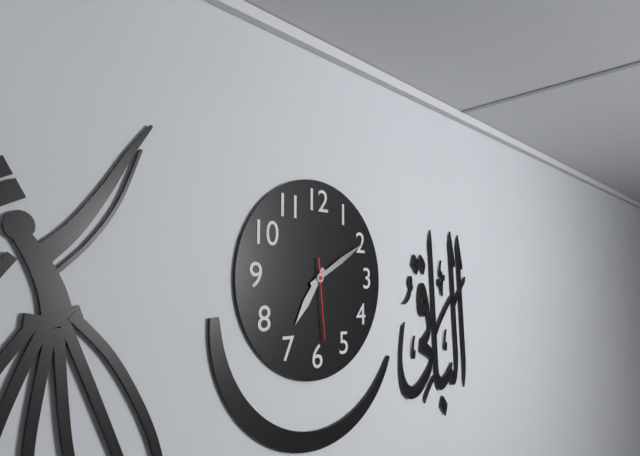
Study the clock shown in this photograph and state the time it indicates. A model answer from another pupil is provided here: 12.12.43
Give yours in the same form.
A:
7.10.29
